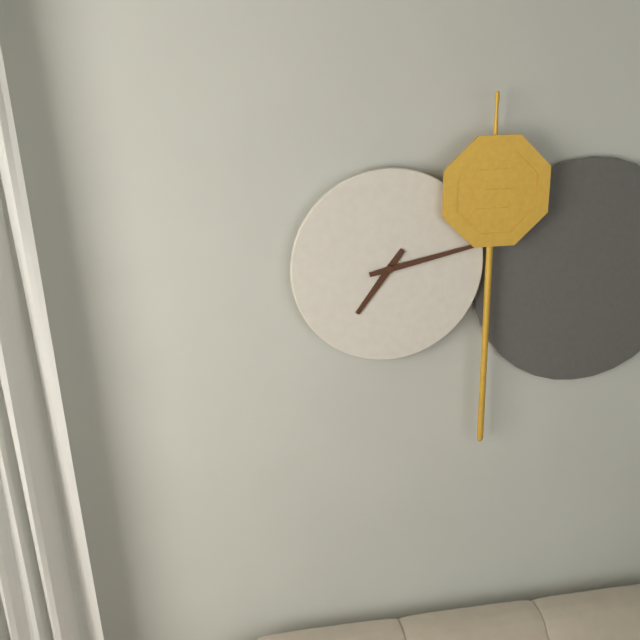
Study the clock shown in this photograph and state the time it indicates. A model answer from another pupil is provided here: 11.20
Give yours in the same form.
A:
7.13
